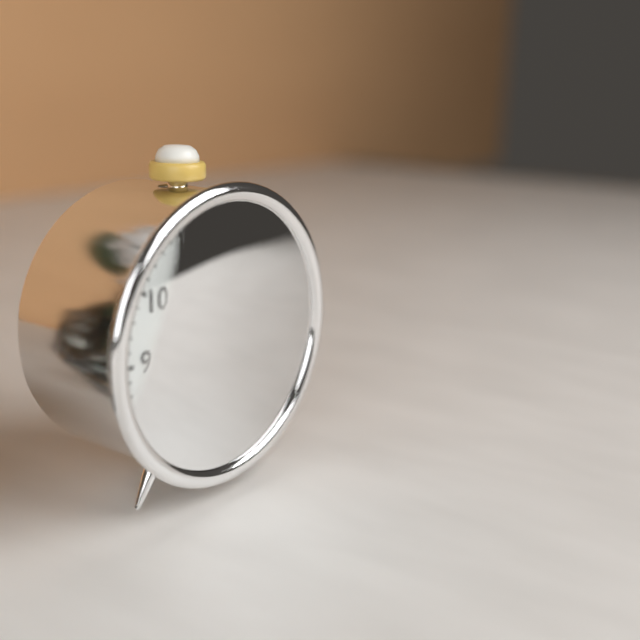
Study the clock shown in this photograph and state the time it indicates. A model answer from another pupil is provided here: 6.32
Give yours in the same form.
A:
4.05
